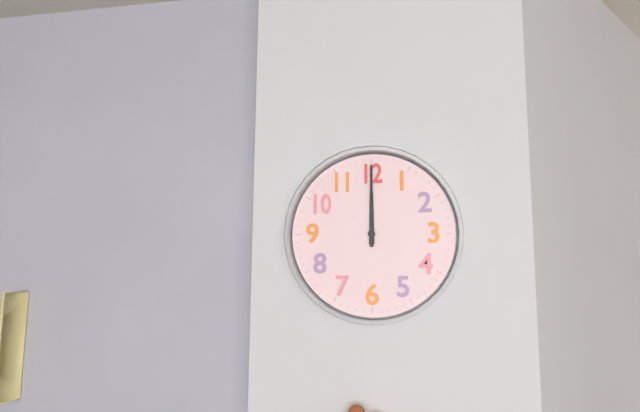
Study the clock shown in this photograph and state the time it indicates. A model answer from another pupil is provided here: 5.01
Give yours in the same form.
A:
12.00
